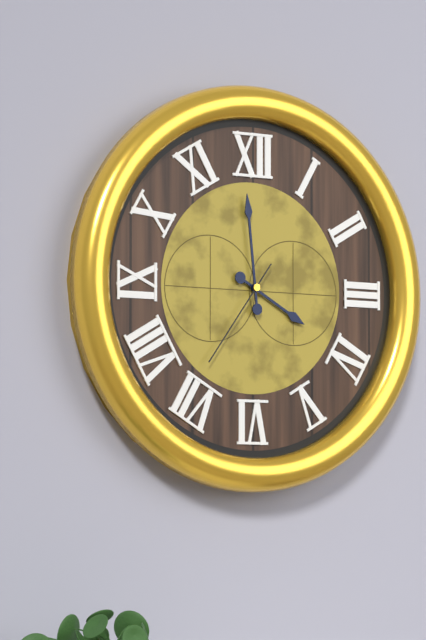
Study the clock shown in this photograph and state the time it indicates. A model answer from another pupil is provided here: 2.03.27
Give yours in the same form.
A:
3.59.36
